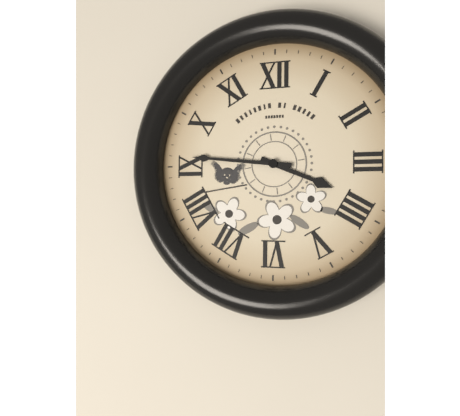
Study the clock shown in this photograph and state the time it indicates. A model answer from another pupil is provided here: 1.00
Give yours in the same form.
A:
3.46
